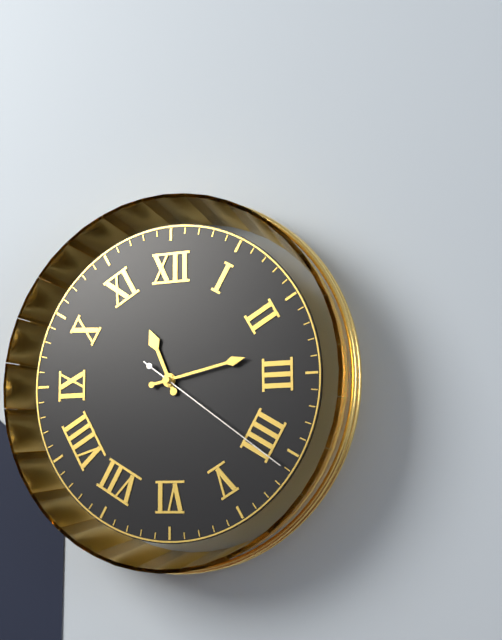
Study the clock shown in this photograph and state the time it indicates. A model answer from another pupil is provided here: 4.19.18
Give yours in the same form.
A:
11.13.21
